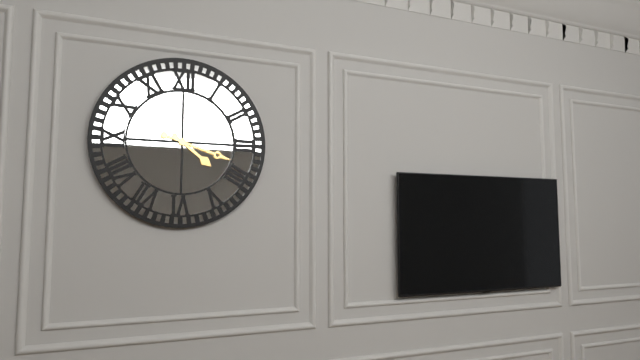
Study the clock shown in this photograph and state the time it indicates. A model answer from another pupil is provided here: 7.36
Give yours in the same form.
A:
4.18
